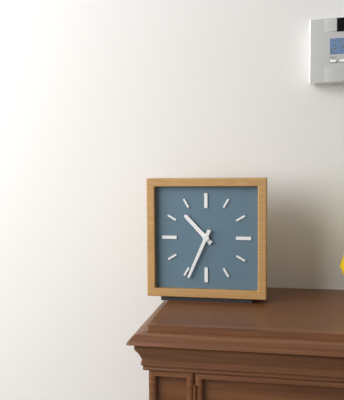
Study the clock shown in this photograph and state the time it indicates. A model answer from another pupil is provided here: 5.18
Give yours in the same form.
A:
10.34
